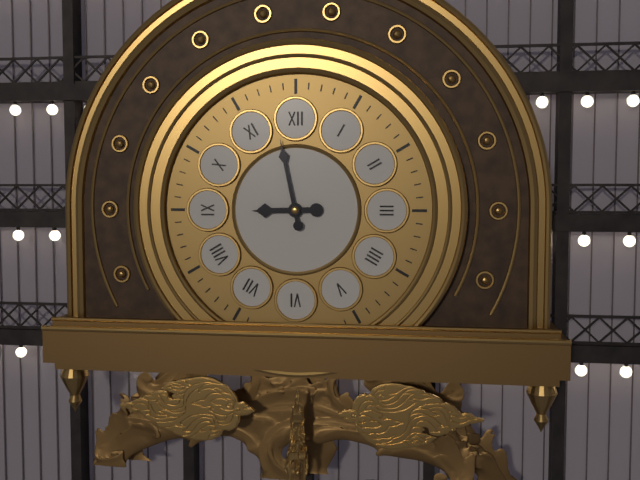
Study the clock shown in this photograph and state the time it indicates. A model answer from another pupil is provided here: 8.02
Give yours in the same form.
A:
8.58
